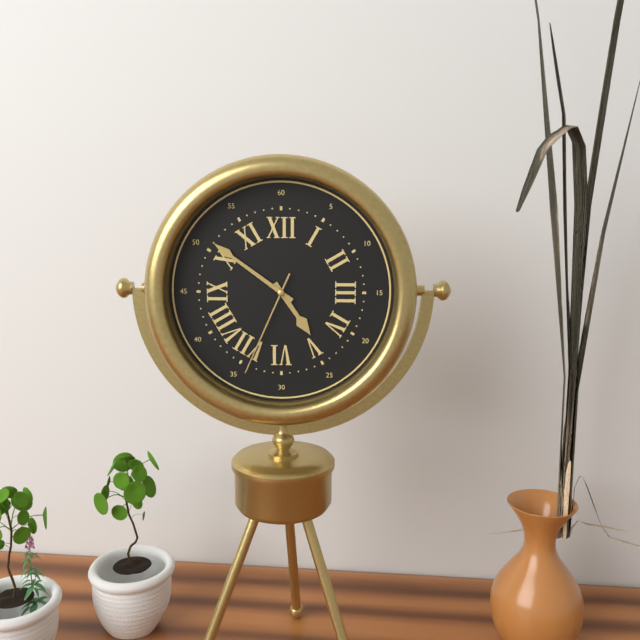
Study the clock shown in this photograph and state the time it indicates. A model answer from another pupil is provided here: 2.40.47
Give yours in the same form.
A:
4.51.34
